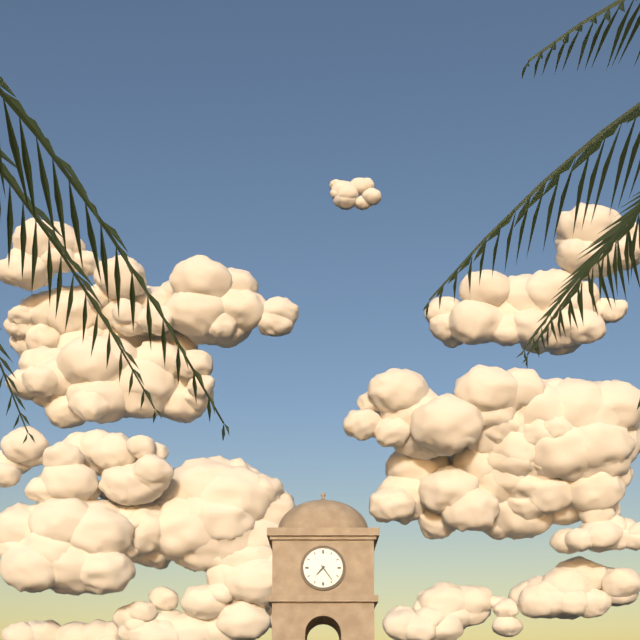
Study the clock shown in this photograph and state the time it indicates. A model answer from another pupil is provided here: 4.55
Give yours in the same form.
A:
7.24
